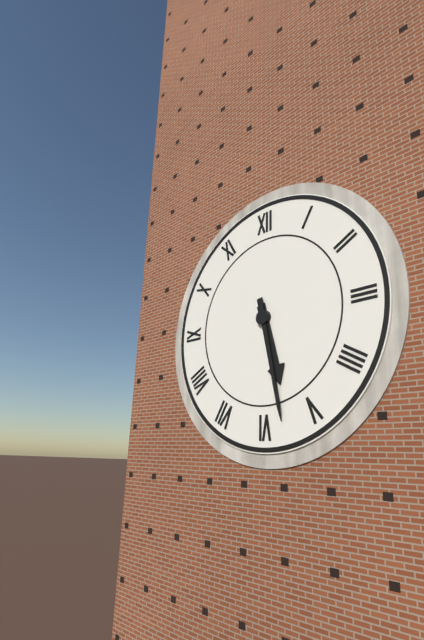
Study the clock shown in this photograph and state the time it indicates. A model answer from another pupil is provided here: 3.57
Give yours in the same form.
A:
5.28
